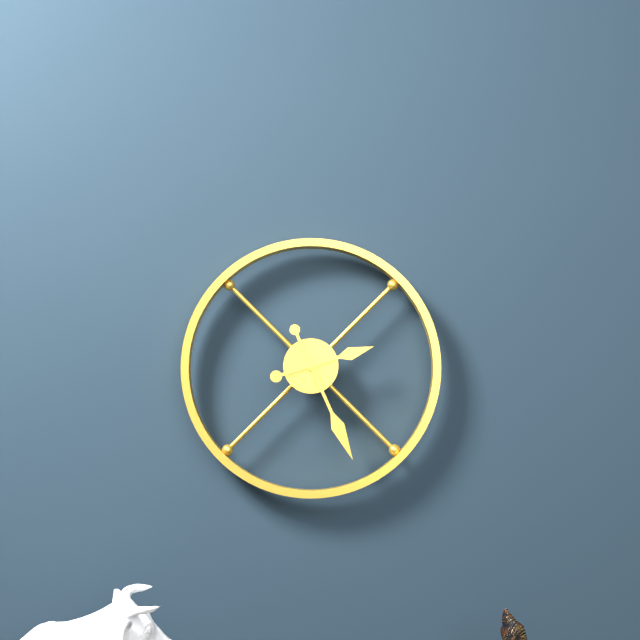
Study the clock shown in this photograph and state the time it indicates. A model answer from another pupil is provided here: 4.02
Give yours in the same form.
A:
2.26
